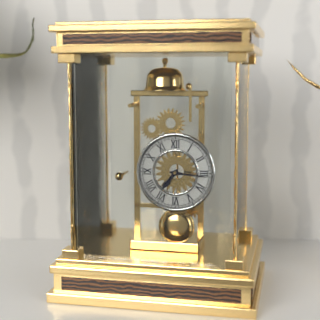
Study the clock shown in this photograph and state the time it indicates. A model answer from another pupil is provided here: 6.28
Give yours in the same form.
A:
7.16
